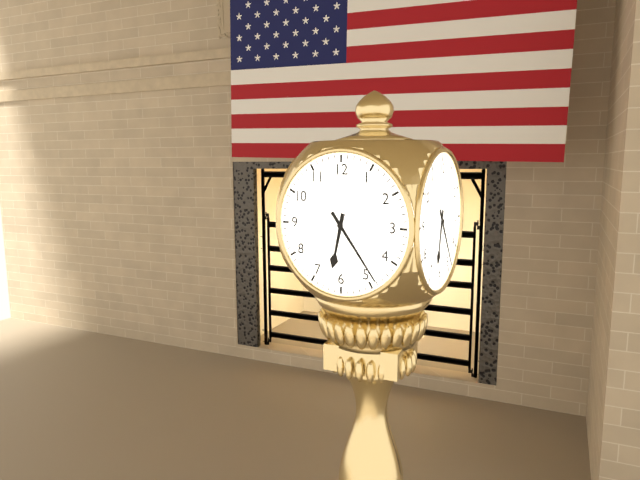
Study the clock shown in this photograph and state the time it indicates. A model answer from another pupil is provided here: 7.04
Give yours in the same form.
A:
6.24
